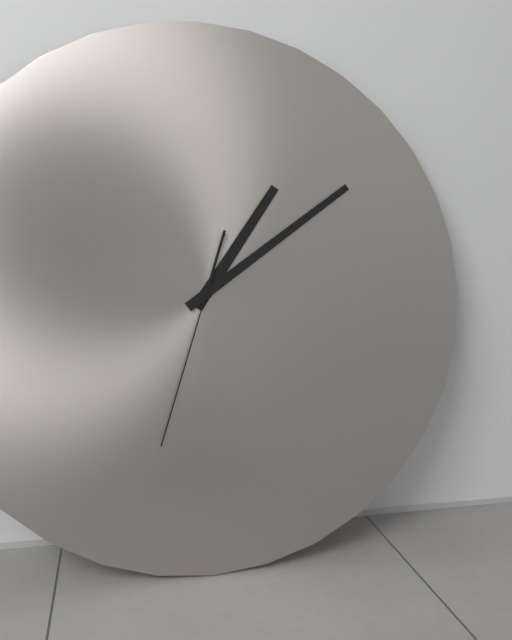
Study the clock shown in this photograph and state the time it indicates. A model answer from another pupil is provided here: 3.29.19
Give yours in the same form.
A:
1.09.33
